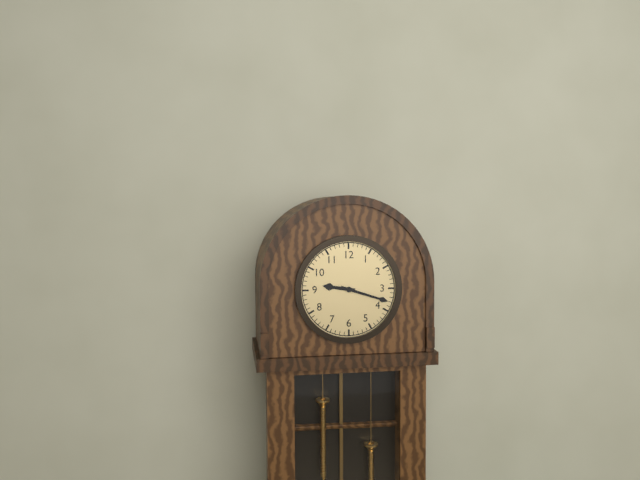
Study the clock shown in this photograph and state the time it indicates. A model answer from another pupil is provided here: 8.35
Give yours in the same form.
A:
9.18
